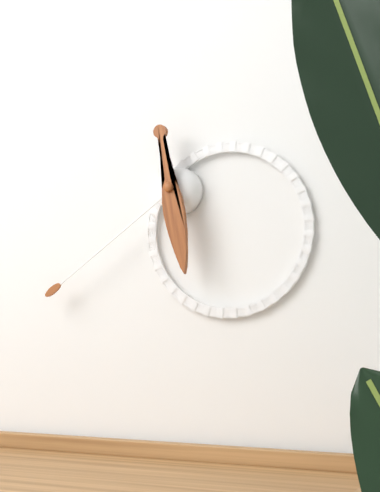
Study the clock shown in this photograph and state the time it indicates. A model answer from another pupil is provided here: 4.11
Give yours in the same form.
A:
5.39
